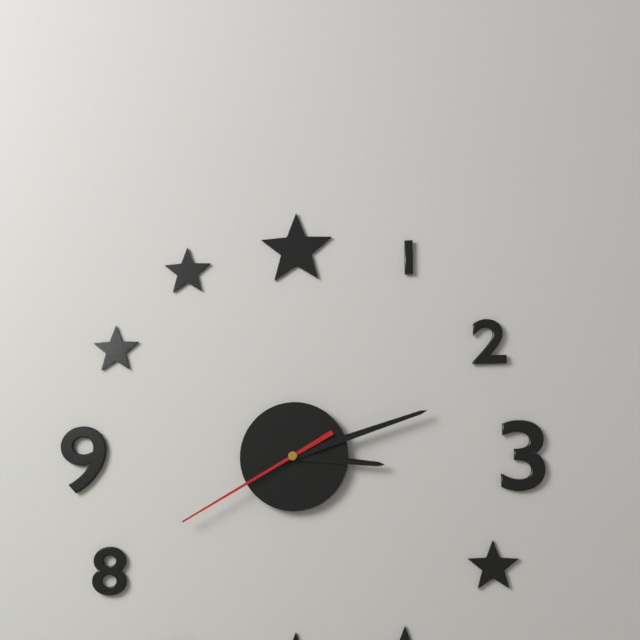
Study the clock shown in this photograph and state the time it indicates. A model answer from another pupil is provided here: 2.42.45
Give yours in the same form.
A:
3.12.40
